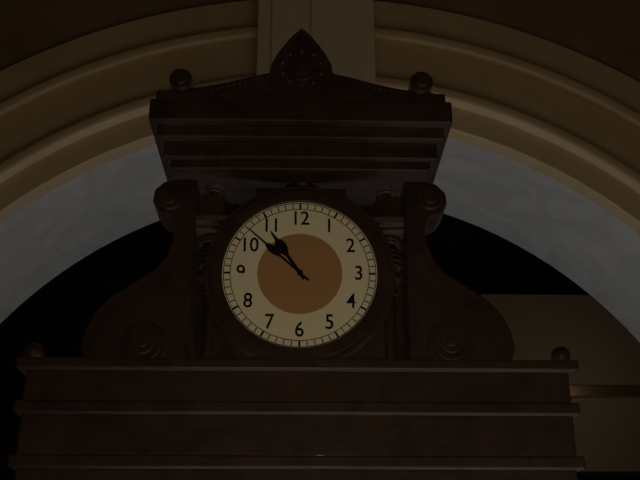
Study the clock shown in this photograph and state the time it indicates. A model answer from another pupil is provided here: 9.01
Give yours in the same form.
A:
10.52
